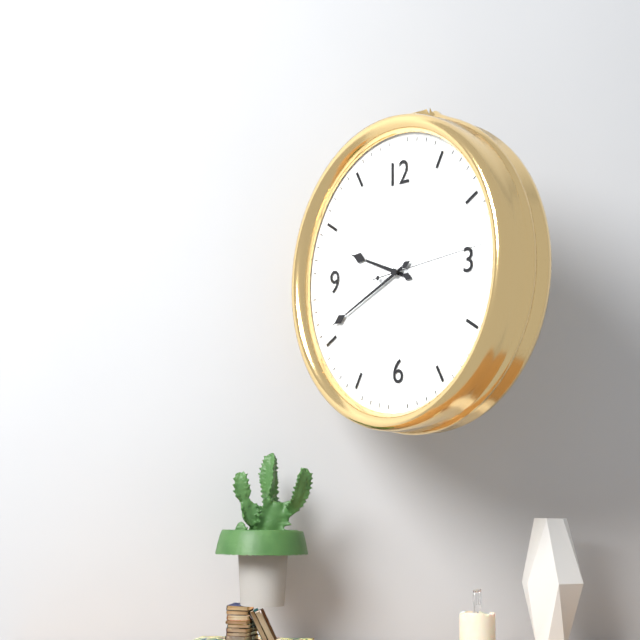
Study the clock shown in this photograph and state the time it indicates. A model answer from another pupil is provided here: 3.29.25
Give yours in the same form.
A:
9.41.14
